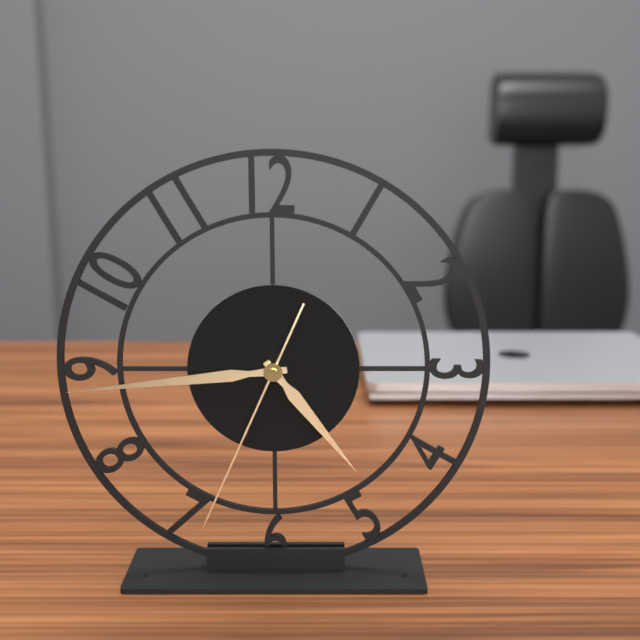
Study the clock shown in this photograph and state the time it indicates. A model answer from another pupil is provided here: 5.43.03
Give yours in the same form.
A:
4.44.34
